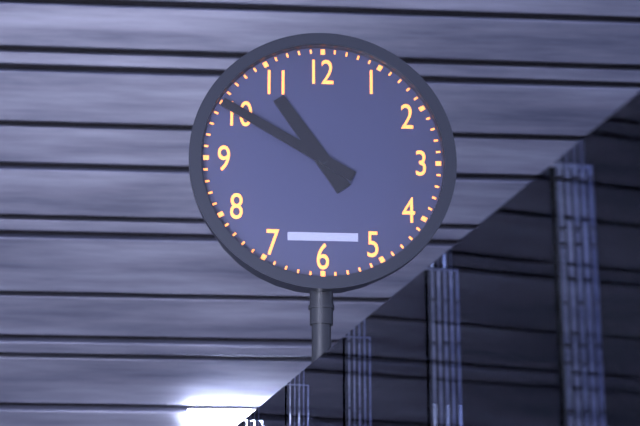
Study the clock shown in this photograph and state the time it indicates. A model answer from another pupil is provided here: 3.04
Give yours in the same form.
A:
10.50
